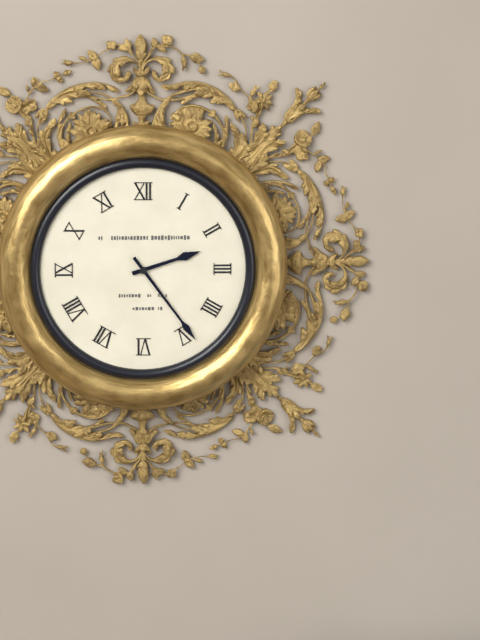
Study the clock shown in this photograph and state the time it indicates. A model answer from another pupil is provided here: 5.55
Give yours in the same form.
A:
2.24
